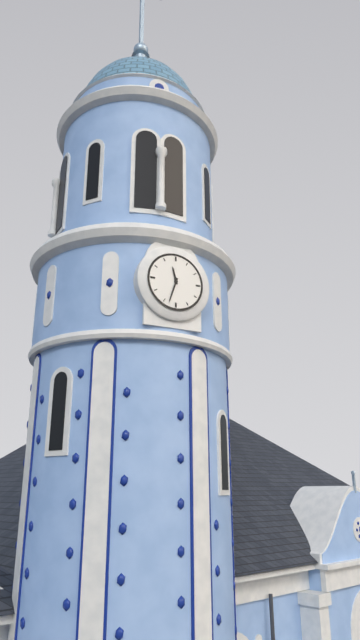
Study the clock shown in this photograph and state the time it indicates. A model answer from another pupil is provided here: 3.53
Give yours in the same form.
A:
11.33
